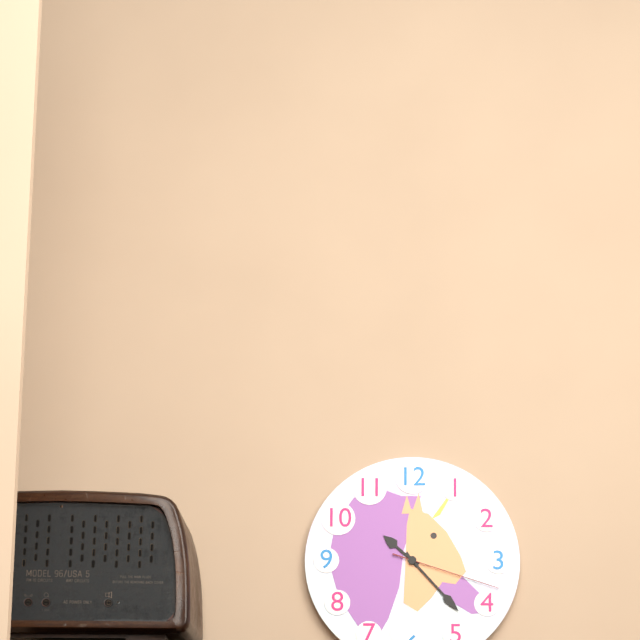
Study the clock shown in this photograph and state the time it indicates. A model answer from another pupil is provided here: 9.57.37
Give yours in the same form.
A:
10.23.18
